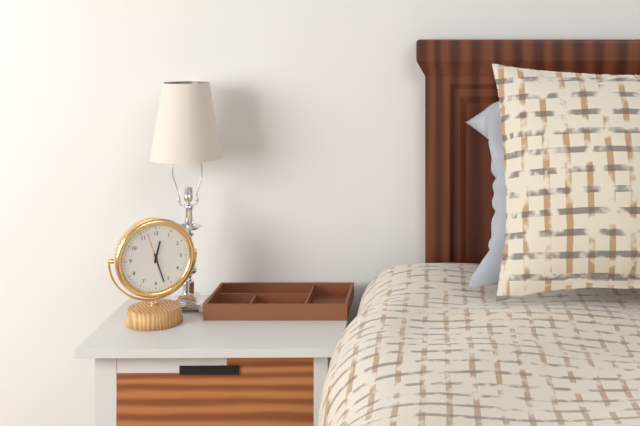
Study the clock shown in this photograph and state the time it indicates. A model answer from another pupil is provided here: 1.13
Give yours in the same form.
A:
12.27
